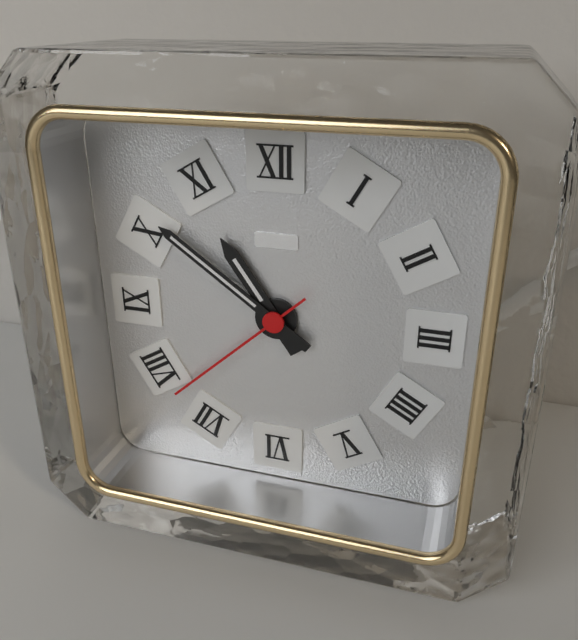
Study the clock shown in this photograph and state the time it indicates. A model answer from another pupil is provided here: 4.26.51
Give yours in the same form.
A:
10.51.38
